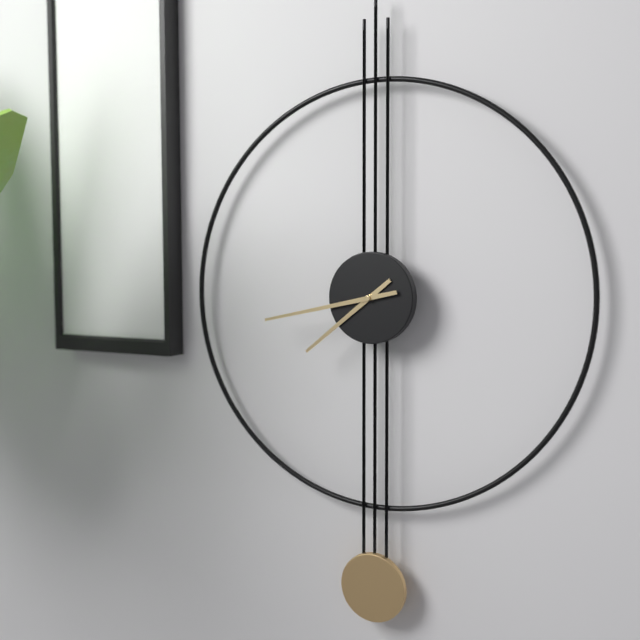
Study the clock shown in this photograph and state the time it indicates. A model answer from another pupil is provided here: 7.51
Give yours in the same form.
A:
7.43
